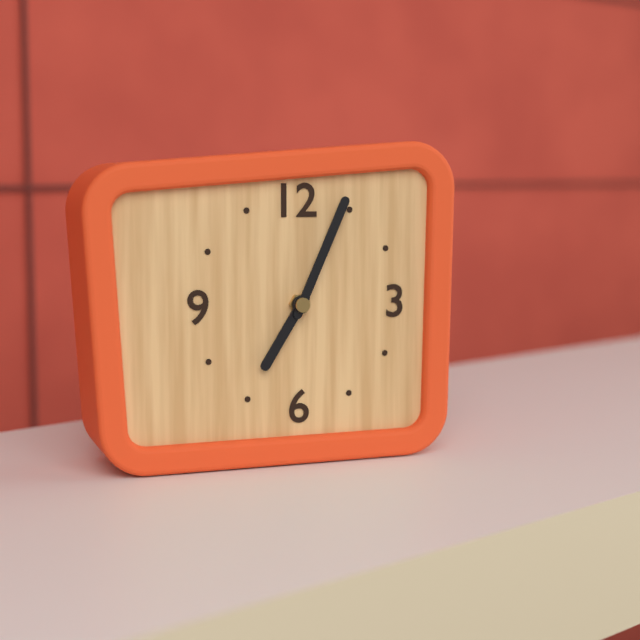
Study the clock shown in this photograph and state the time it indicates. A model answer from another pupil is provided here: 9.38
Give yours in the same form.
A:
7.04
